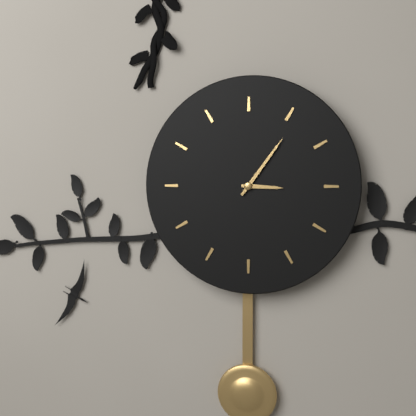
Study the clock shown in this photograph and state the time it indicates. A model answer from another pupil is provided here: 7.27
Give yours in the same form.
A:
3.06
